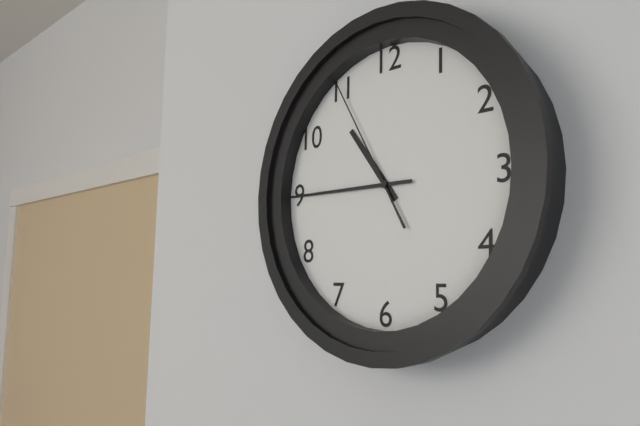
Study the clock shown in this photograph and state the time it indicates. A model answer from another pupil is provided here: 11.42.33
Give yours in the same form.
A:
10.45.55
